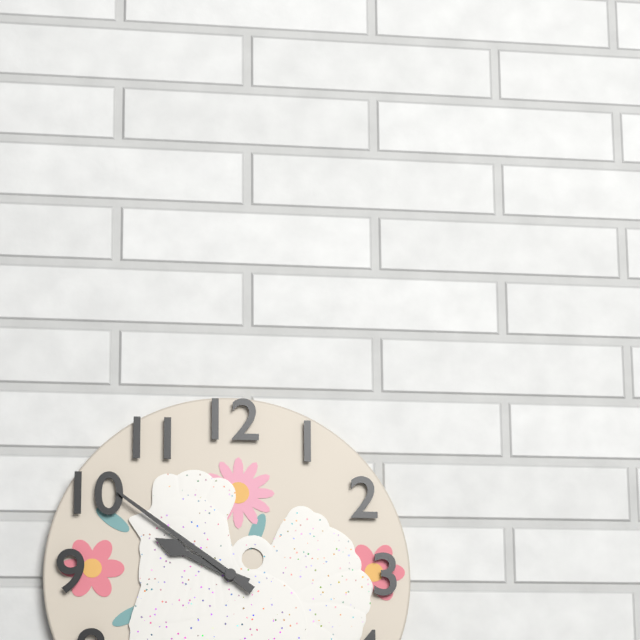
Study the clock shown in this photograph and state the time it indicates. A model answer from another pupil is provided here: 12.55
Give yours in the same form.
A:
9.51
